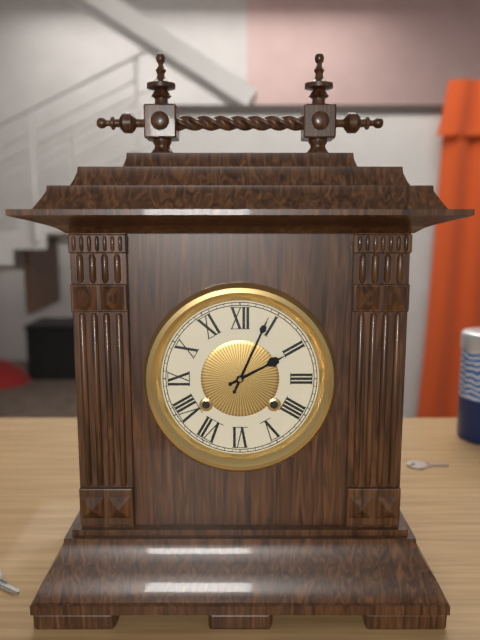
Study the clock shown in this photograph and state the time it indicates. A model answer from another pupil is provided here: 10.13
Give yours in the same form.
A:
2.04
